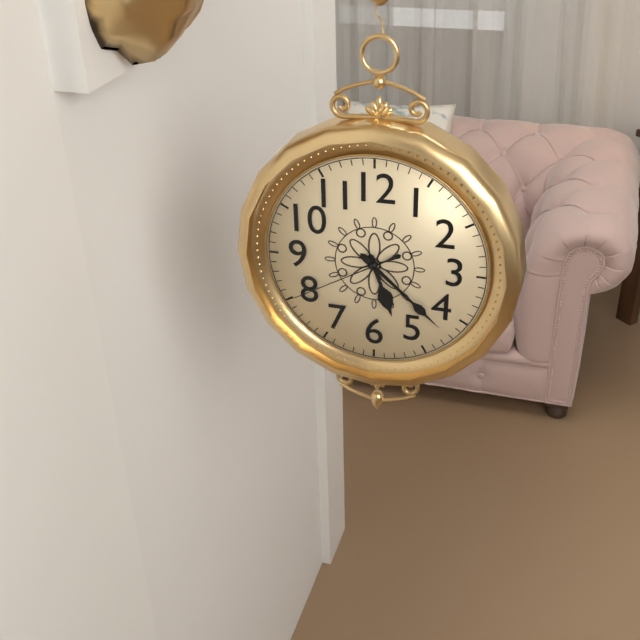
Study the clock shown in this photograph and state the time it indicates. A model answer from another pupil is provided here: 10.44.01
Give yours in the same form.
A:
5.22.40
